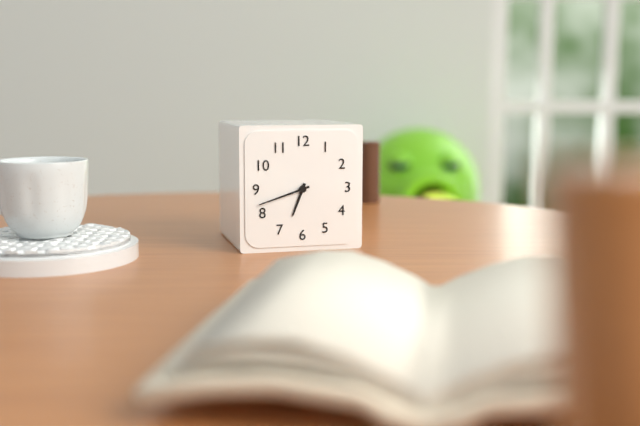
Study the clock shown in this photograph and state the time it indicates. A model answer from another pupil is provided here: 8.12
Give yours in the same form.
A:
6.42
